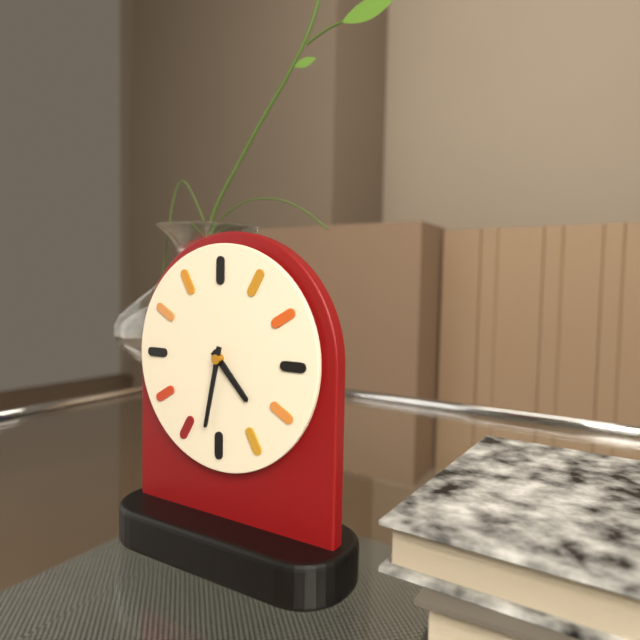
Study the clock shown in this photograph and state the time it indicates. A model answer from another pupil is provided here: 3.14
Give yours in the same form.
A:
4.32
